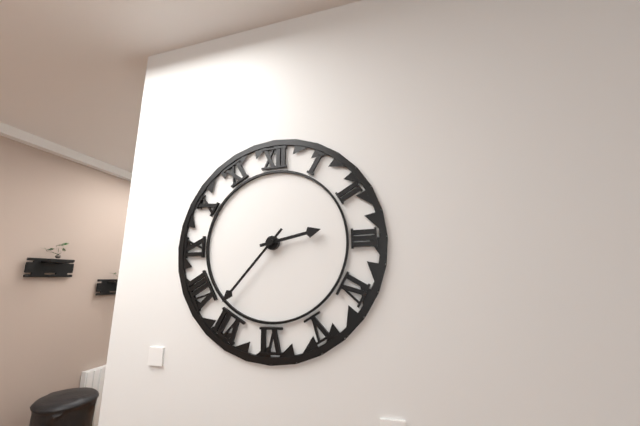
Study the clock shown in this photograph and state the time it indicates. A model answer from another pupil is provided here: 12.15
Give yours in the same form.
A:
2.37
